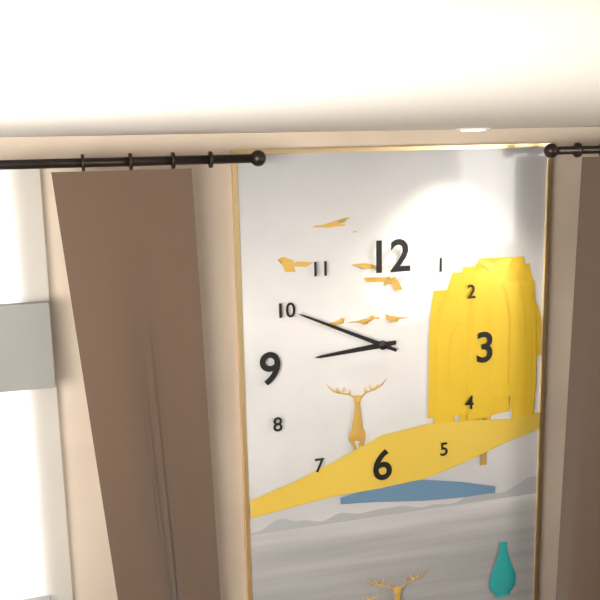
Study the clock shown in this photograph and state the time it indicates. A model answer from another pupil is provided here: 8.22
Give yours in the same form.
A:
8.49
